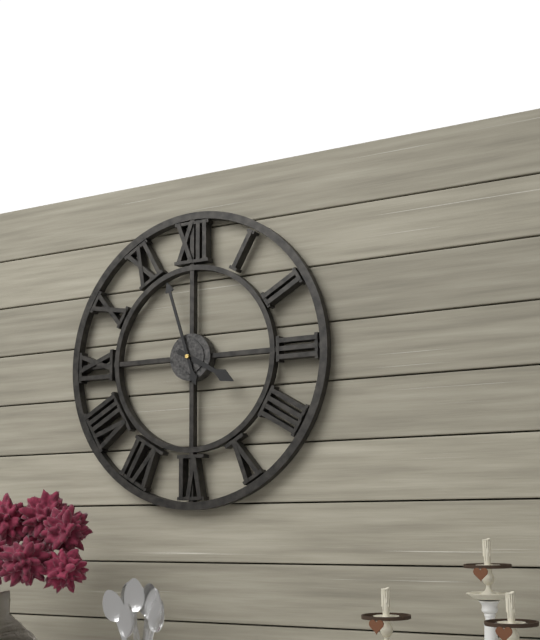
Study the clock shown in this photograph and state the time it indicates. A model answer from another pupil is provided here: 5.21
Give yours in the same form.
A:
3.57
